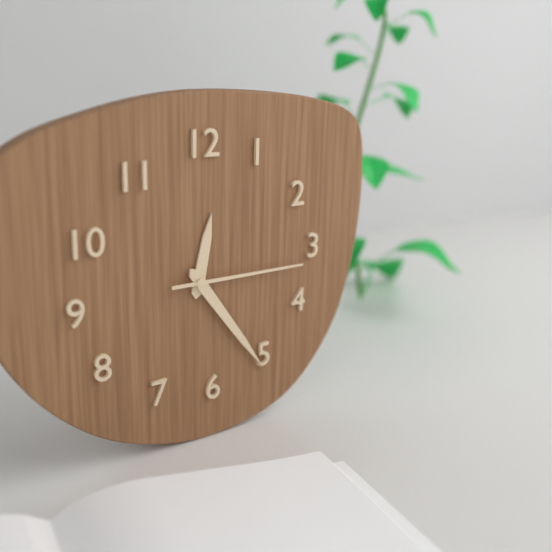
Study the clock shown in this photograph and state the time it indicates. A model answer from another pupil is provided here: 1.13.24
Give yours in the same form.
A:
12.24.15
